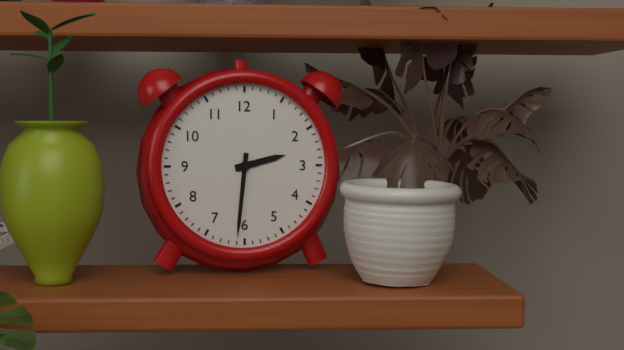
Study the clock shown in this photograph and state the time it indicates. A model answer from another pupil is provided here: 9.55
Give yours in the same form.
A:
2.31
